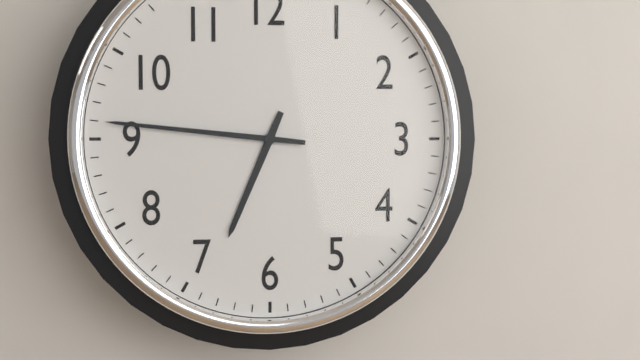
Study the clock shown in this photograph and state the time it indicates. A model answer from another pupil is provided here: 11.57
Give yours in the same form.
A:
6.46
